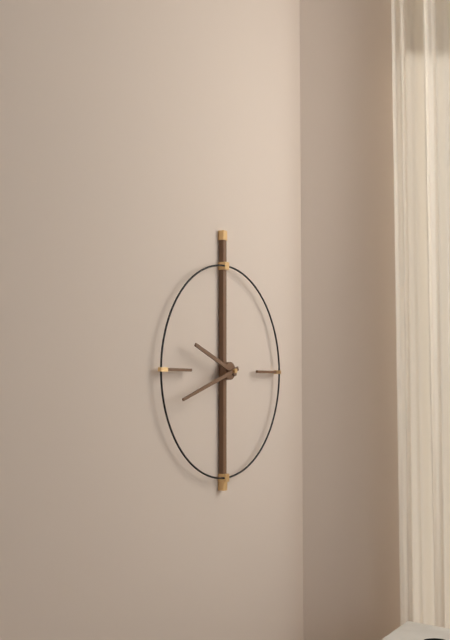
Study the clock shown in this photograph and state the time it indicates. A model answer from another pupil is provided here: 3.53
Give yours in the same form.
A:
9.42
